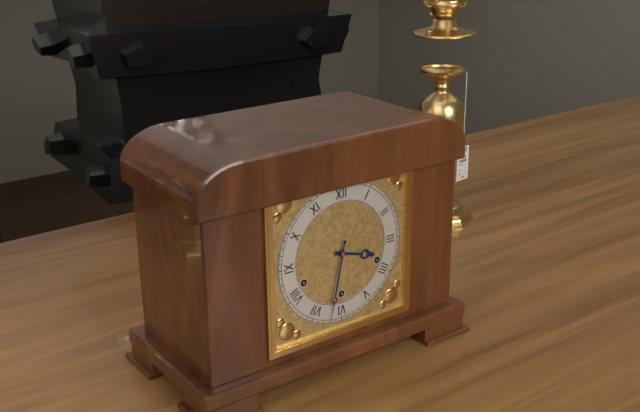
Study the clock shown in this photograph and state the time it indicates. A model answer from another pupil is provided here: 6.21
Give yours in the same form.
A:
3.32
